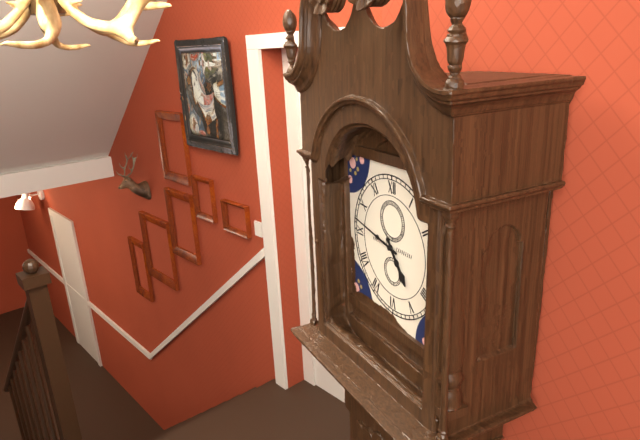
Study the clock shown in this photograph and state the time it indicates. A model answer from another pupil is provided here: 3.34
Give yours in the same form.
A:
4.47
